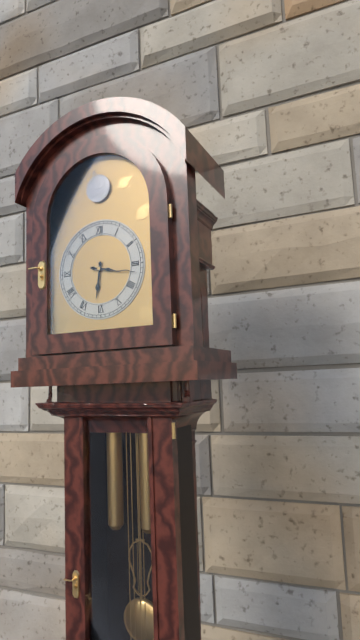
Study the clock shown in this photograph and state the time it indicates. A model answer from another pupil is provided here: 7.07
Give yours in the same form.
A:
6.17
